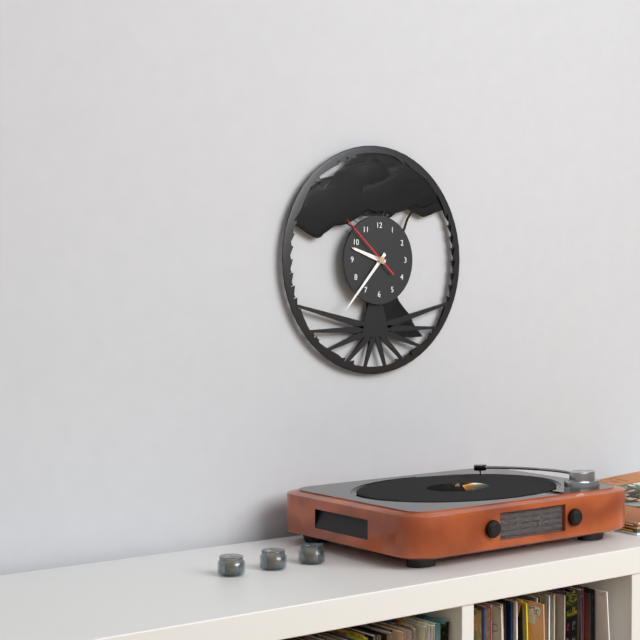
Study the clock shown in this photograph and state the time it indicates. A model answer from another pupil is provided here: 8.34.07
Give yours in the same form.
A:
9.37.52
